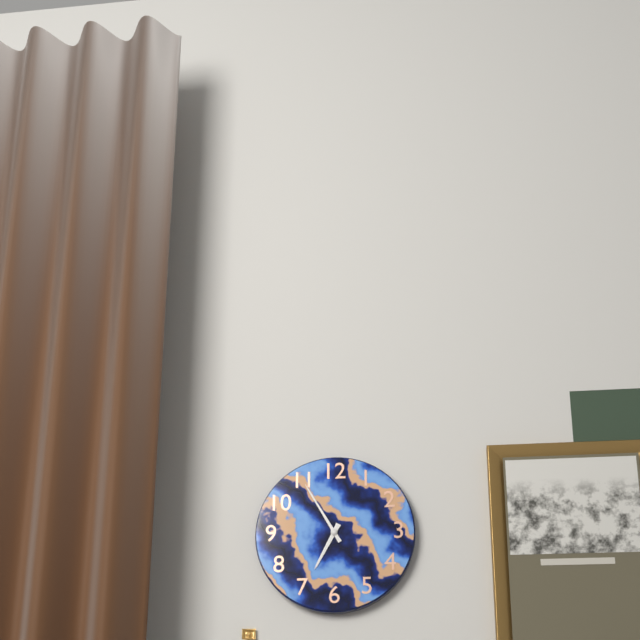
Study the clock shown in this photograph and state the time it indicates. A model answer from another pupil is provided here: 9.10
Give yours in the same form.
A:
6.55
